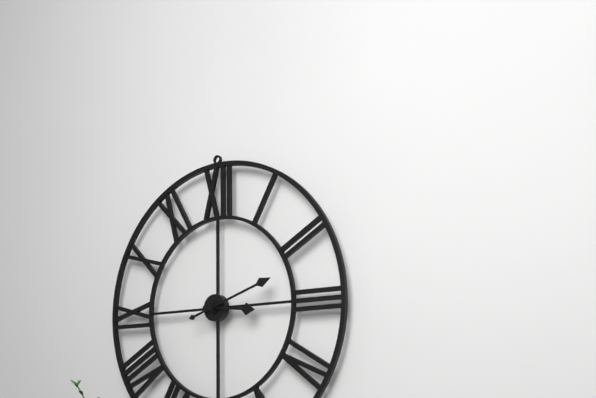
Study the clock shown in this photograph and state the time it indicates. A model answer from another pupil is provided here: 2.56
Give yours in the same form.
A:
3.12
